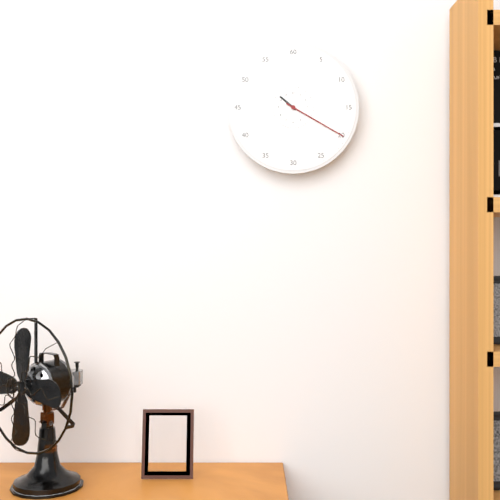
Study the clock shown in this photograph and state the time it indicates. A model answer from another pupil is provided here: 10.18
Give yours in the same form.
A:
10.20
